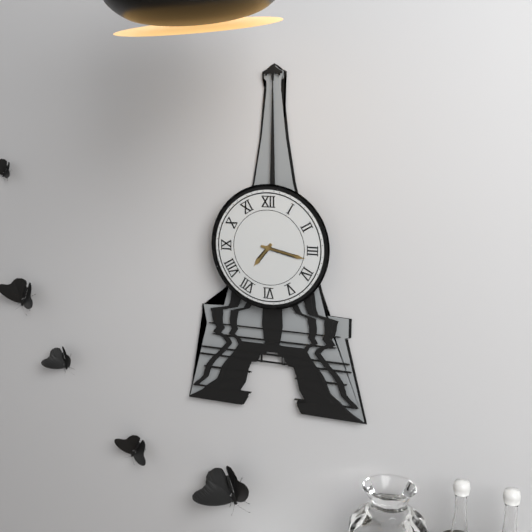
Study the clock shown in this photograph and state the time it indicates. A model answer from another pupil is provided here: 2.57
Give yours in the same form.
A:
7.17
